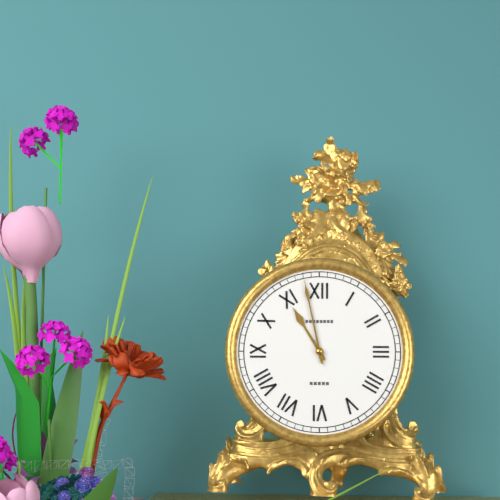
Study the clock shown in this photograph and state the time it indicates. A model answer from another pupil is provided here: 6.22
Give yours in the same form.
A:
10.58
